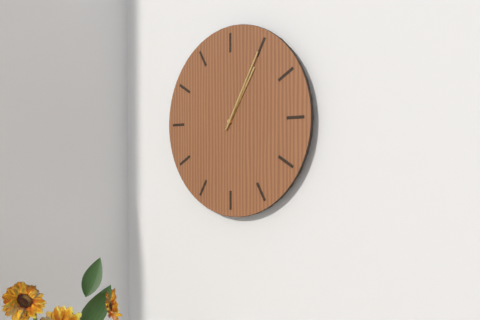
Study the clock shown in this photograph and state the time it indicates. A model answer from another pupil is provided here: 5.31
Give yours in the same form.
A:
1.05
